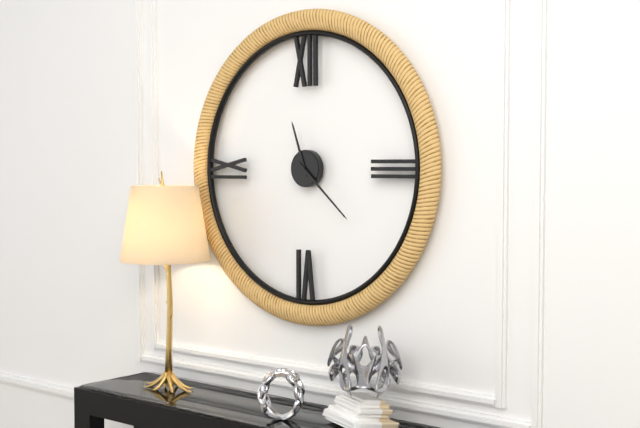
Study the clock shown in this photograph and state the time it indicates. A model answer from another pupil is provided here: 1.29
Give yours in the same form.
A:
11.22
